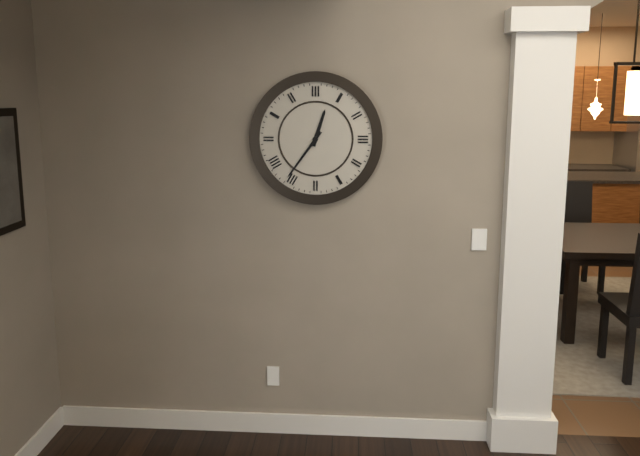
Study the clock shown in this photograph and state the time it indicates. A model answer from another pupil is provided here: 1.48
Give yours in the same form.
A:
12.36
